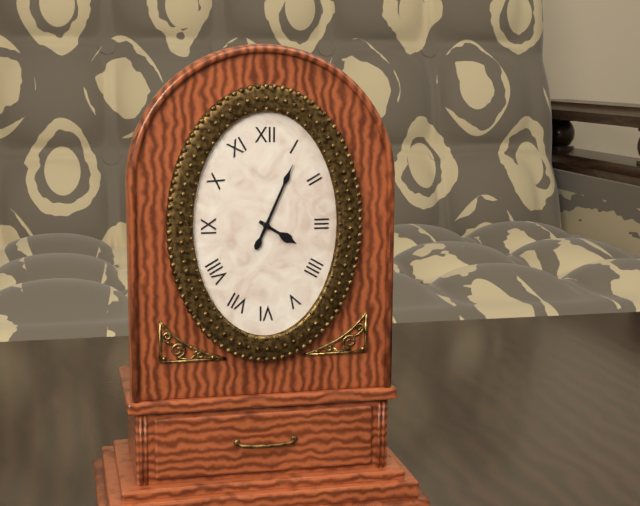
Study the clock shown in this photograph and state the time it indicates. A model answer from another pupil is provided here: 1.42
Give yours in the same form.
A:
4.04
